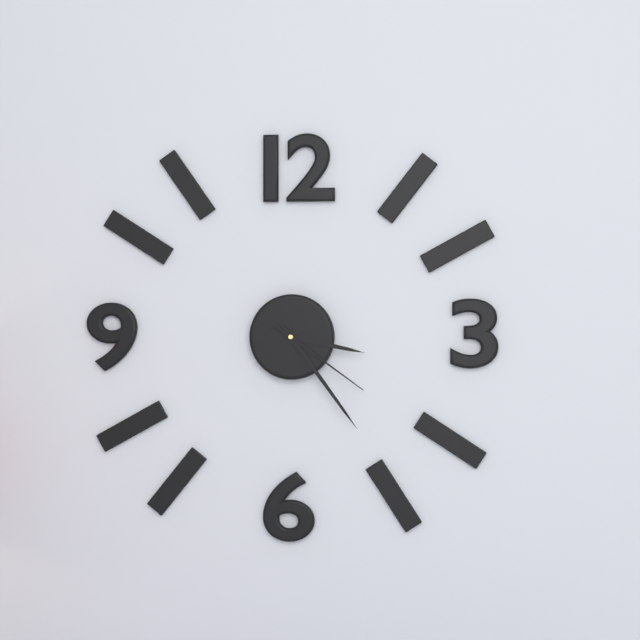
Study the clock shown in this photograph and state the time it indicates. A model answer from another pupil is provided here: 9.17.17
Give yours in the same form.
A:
3.24.21
